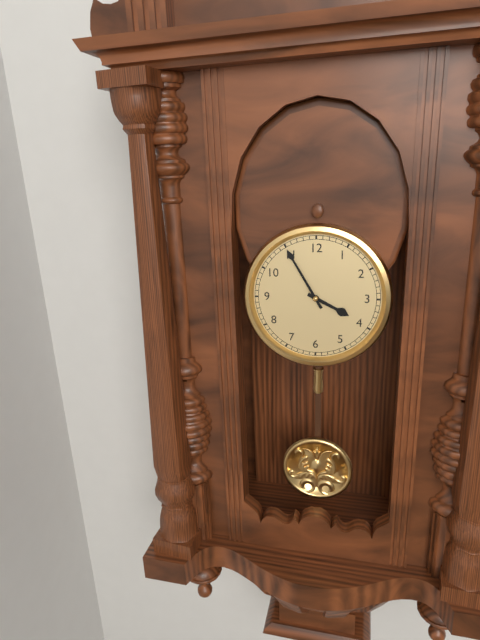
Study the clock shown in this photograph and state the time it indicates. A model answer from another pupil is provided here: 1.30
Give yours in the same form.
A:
3.55
